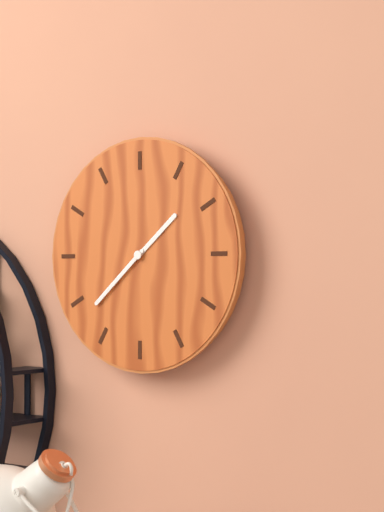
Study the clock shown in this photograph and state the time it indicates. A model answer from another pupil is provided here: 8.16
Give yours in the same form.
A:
1.38
